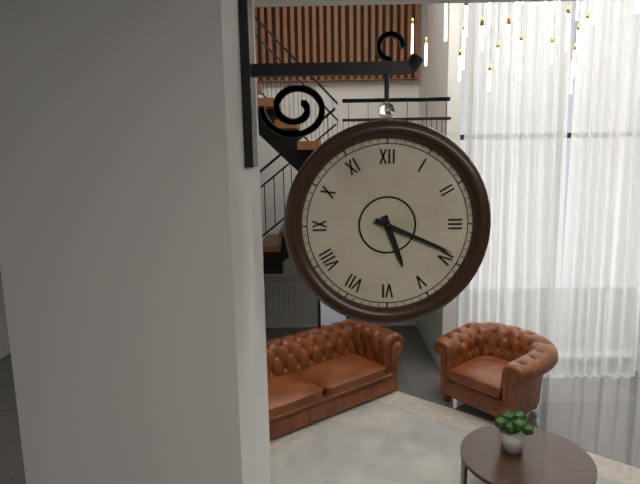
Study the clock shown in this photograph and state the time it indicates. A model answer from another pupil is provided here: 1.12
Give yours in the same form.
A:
5.19
